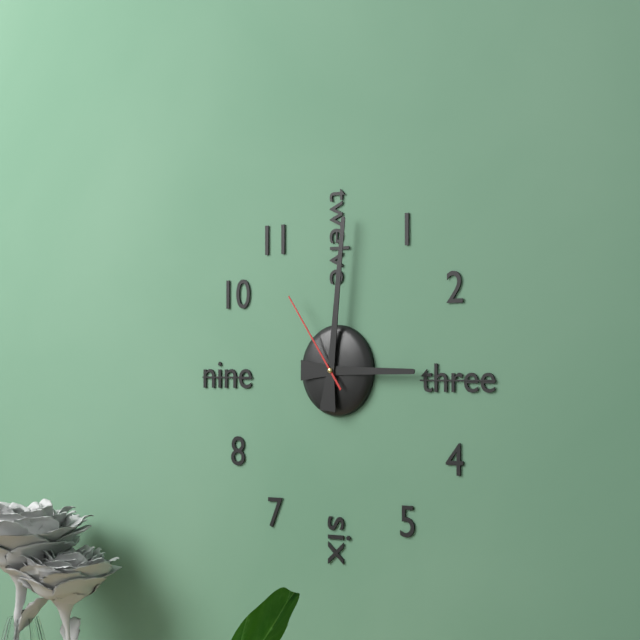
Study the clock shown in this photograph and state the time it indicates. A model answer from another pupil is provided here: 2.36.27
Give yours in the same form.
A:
3.01.54
